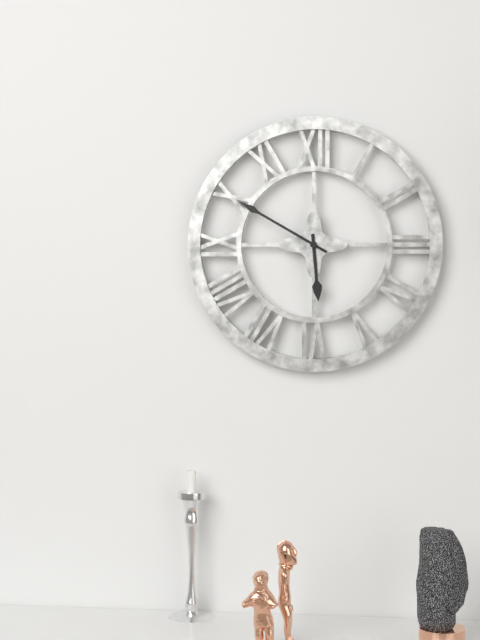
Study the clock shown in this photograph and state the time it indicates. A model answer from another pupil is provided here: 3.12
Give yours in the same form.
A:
5.50
